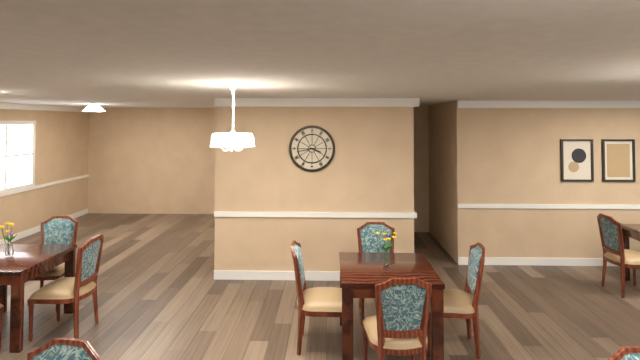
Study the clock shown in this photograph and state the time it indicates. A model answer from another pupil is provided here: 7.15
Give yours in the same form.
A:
3.43
